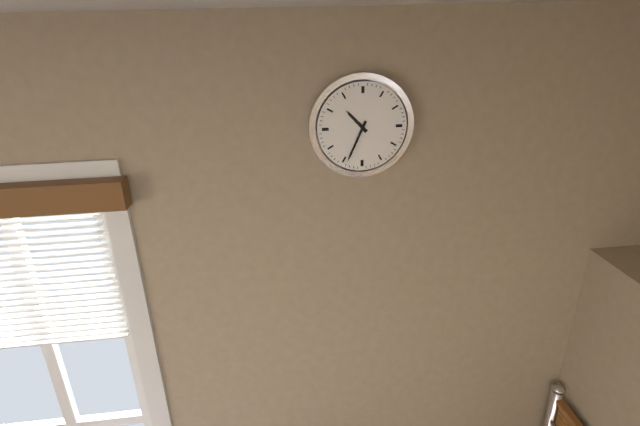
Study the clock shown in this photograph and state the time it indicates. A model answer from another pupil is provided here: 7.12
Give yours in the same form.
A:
10.34
